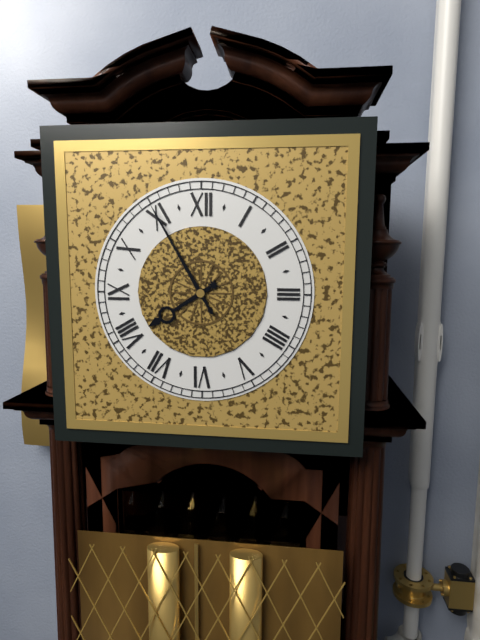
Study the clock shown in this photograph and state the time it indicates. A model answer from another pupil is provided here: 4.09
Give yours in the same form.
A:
7.55
